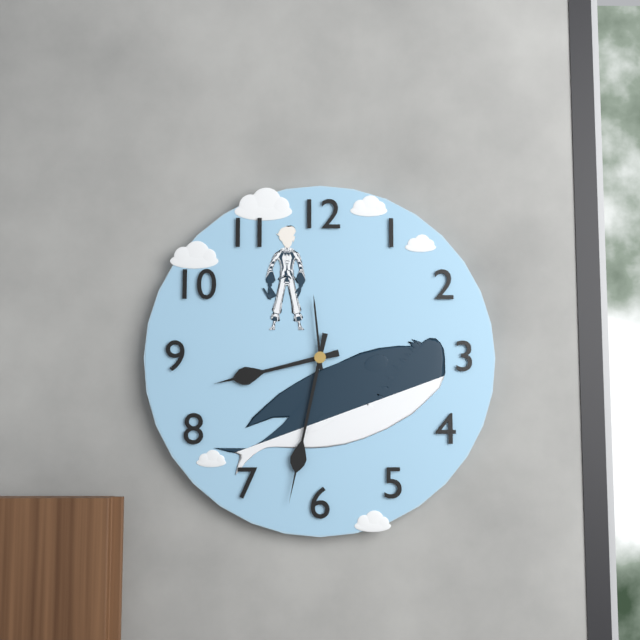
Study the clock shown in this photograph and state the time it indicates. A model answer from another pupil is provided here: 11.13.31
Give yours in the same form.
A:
8.32.59
